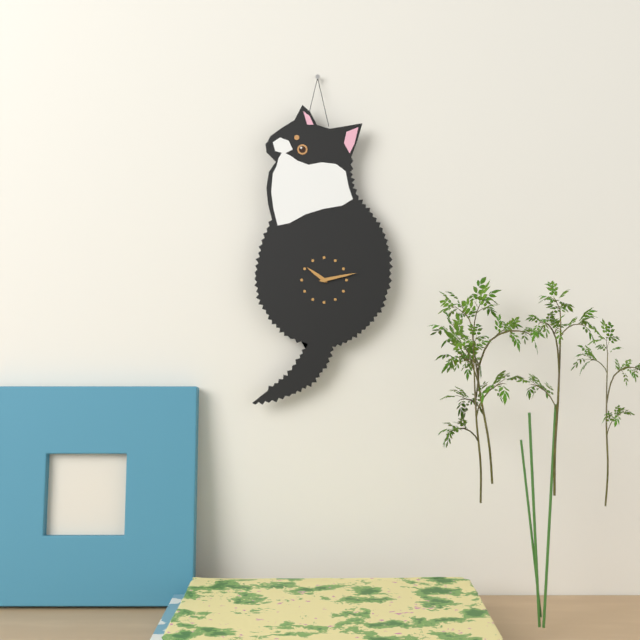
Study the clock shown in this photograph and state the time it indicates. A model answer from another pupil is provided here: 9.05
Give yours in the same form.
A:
10.13
